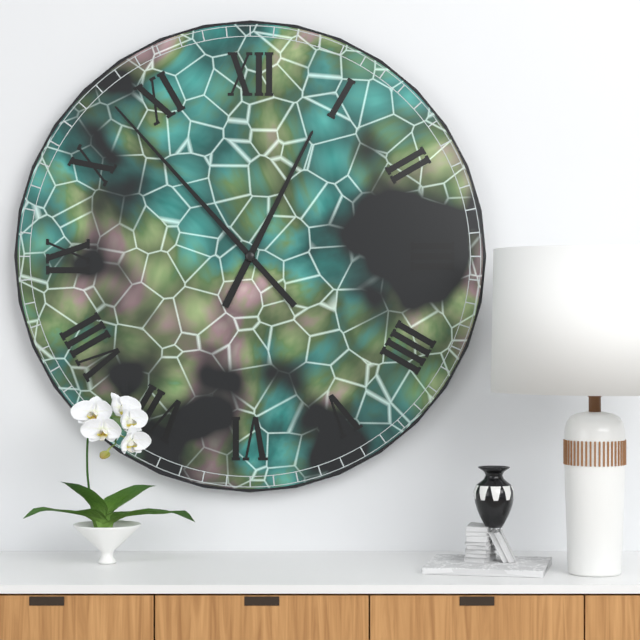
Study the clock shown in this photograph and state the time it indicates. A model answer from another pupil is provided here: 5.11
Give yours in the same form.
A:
12.53
